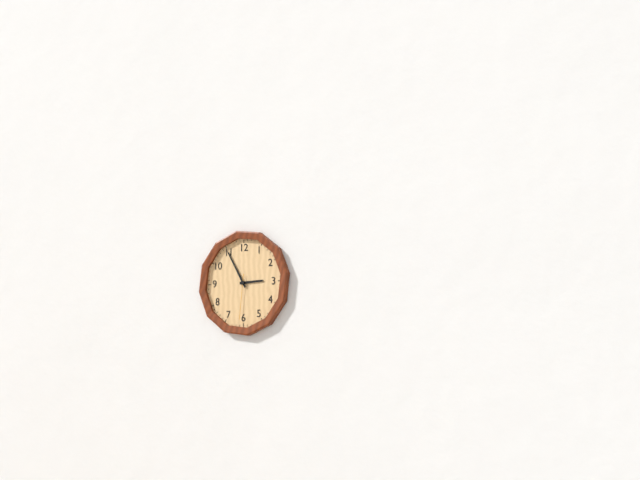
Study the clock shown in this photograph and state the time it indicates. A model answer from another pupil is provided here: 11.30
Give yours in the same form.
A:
2.55
